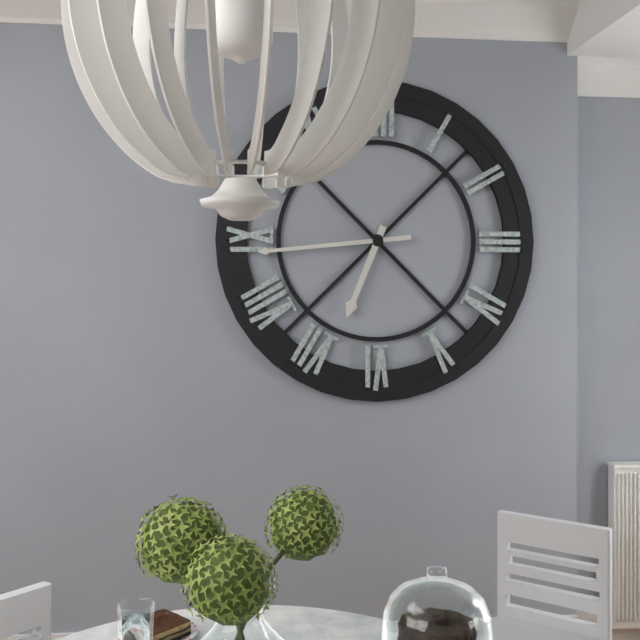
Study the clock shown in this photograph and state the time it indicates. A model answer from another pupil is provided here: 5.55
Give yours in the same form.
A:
6.44
